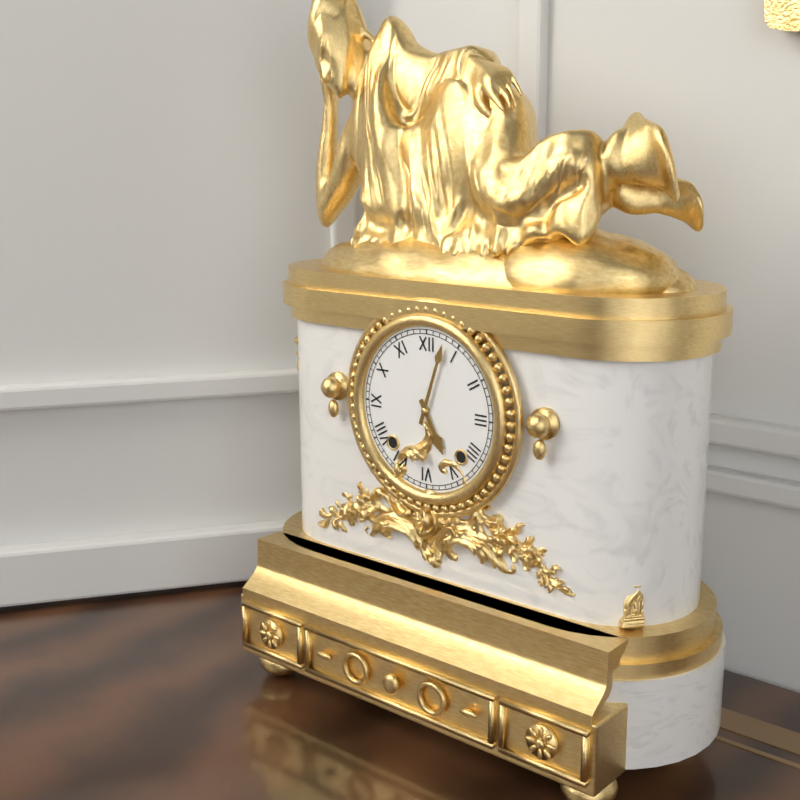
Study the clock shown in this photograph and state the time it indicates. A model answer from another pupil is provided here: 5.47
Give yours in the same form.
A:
5.03
